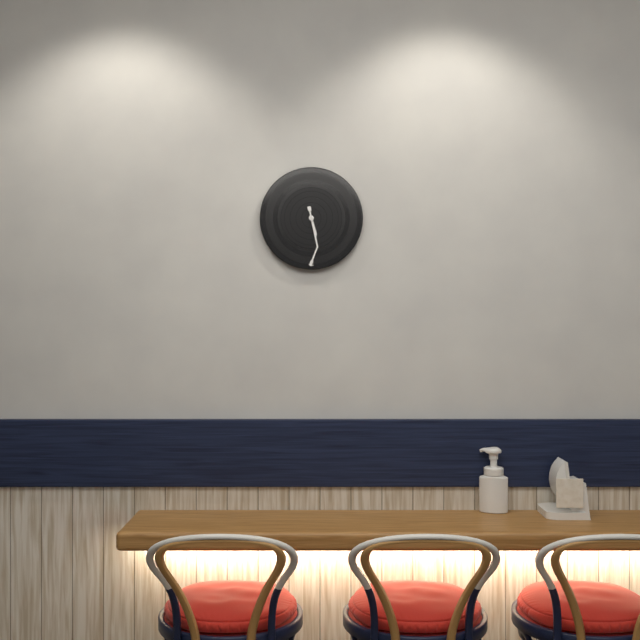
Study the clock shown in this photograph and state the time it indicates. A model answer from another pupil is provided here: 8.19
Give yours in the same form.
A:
5.28
